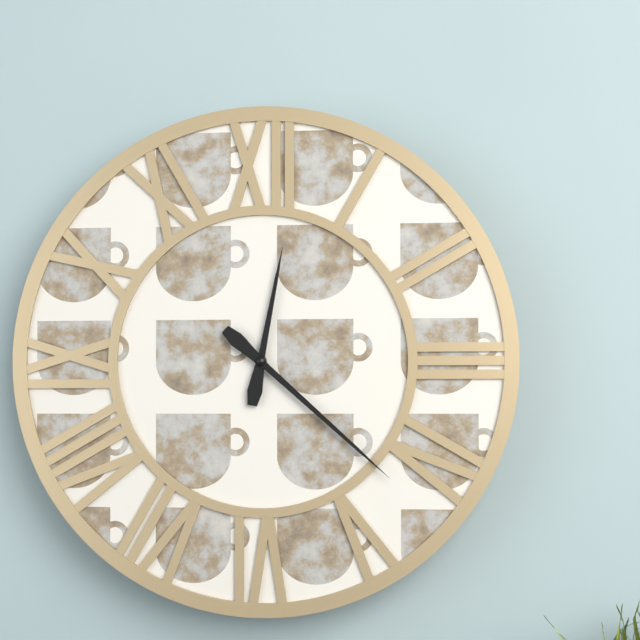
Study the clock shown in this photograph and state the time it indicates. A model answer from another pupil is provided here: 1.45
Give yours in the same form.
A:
12.22
